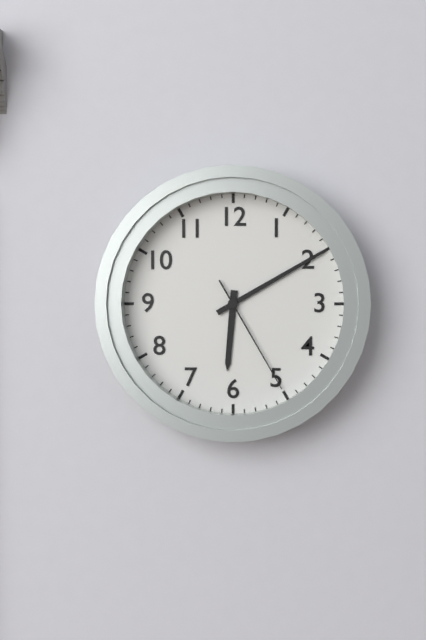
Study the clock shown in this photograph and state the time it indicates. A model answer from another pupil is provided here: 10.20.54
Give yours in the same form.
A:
6.10.25
